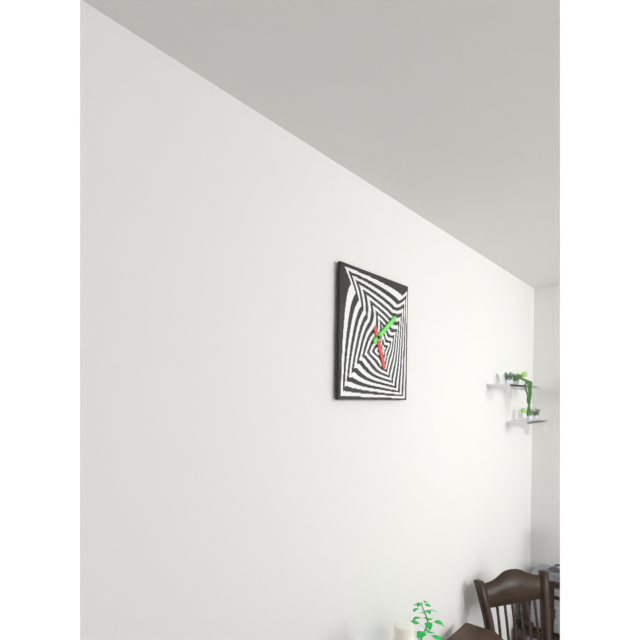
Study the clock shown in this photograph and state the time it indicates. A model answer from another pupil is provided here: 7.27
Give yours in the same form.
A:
5.09
